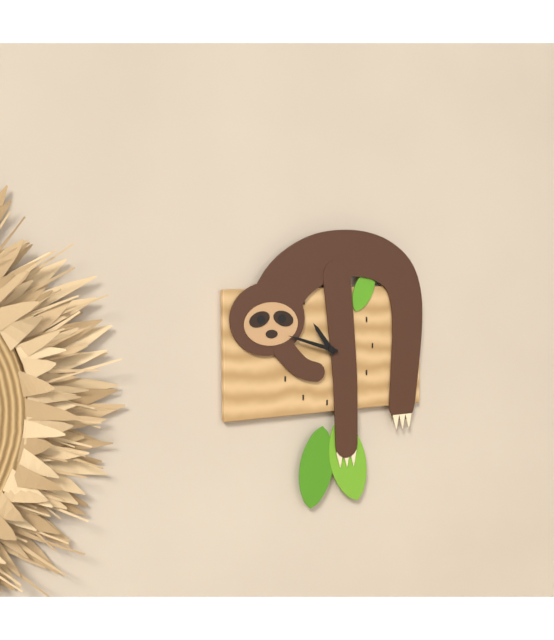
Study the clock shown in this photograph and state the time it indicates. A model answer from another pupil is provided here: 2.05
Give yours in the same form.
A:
10.48
